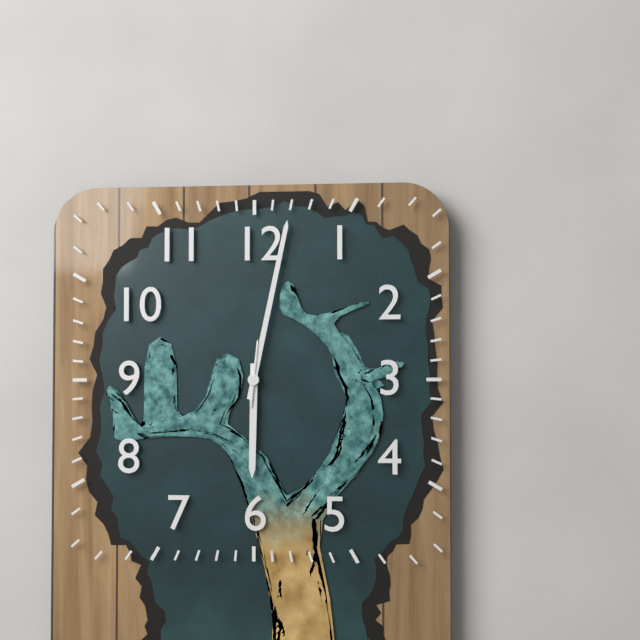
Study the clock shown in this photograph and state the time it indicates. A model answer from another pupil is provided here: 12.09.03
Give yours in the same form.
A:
6.02.01
